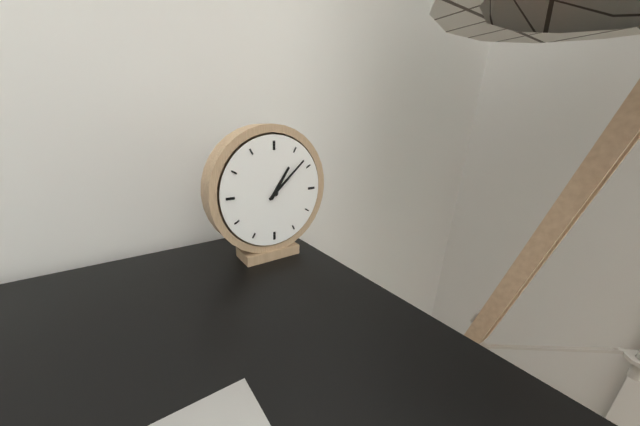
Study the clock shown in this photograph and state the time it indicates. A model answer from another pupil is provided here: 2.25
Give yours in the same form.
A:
1.08
